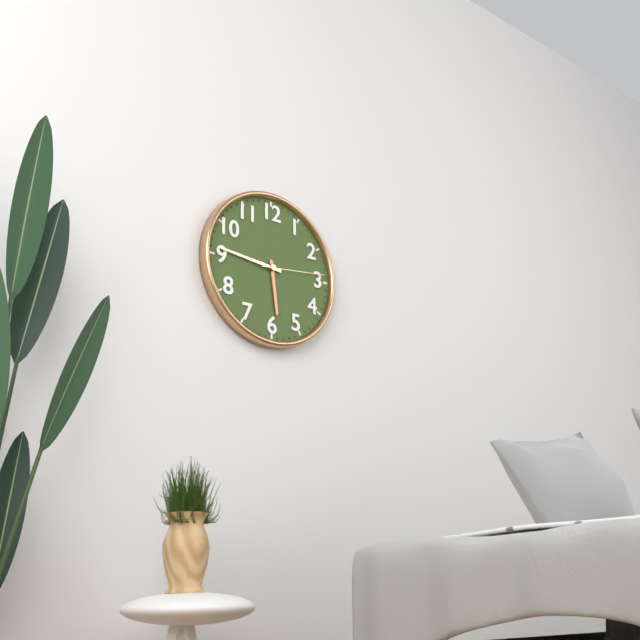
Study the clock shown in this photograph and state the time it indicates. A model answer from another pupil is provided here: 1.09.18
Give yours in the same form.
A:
5.46.14
